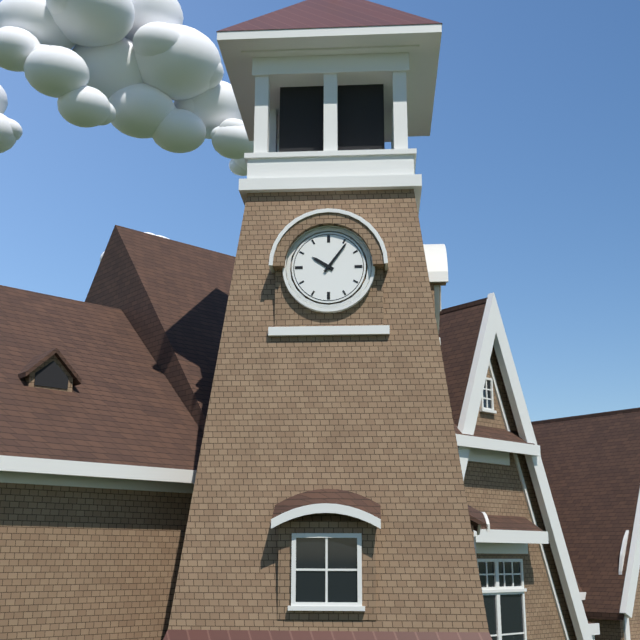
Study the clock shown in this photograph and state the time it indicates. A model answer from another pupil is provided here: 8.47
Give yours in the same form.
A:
10.06
